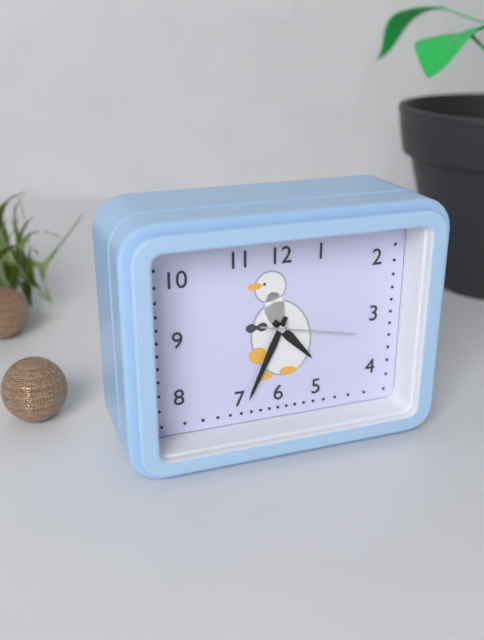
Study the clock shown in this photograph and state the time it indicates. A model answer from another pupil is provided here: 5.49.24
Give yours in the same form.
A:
4.34.17
